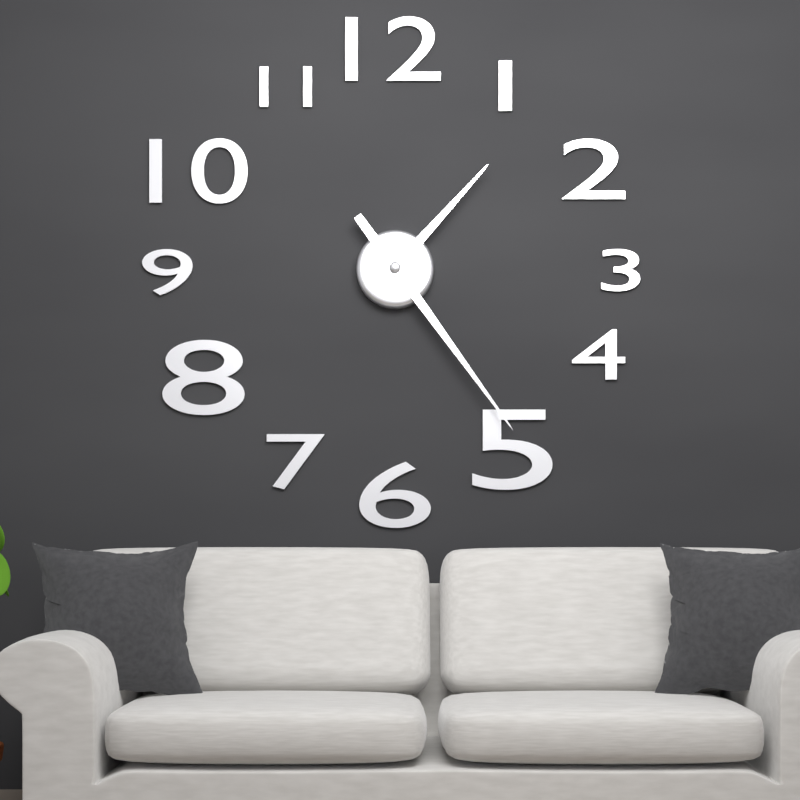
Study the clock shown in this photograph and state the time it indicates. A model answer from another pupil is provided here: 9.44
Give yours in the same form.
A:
1.24
